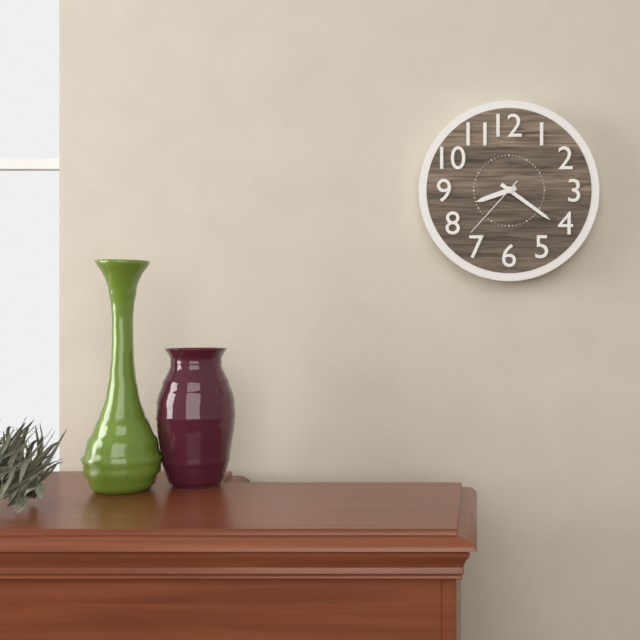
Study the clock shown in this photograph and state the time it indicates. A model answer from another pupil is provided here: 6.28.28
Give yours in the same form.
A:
8.21.37
